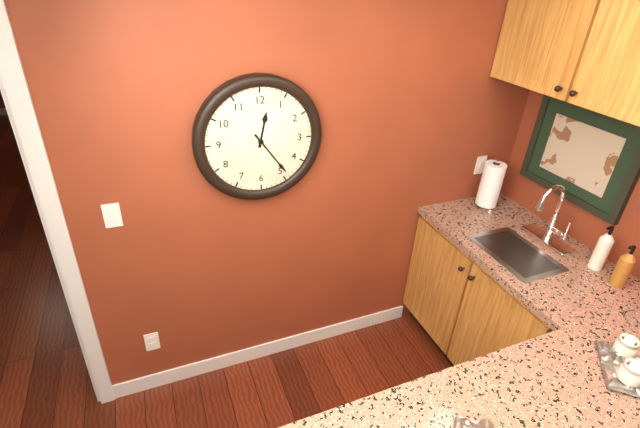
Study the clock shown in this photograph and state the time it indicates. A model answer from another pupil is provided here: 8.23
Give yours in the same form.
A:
12.24
